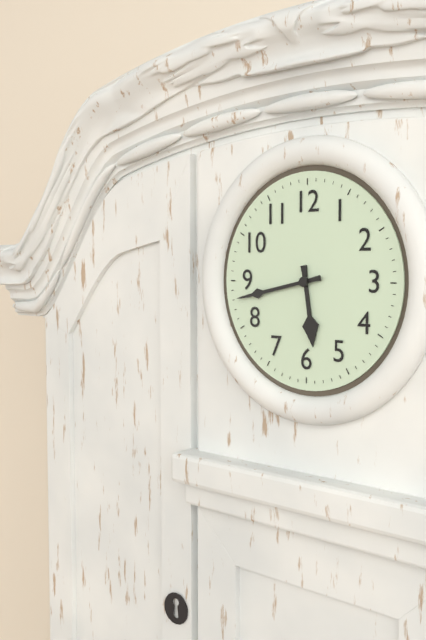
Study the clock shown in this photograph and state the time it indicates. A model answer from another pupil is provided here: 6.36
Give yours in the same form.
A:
5.43
